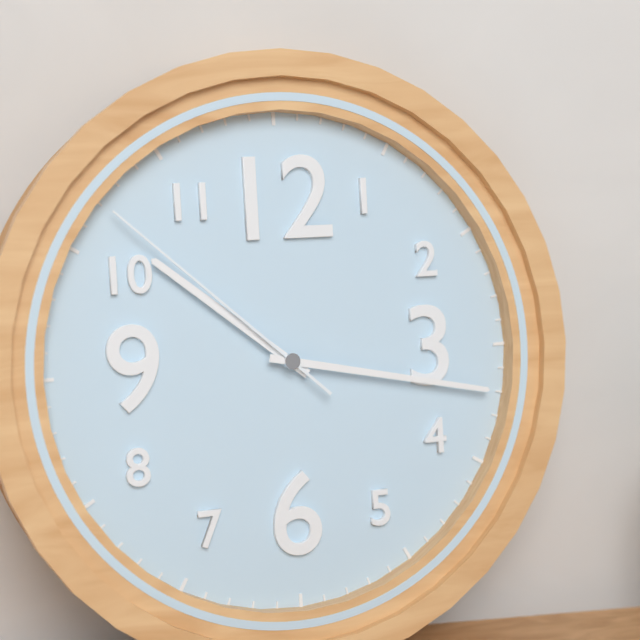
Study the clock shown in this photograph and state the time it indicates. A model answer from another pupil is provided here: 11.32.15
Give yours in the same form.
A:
10.17.52
